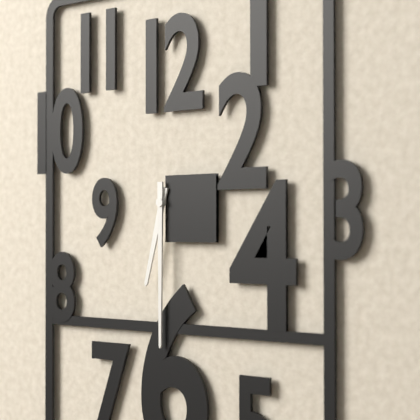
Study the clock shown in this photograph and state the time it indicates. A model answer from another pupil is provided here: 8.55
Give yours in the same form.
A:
6.30
